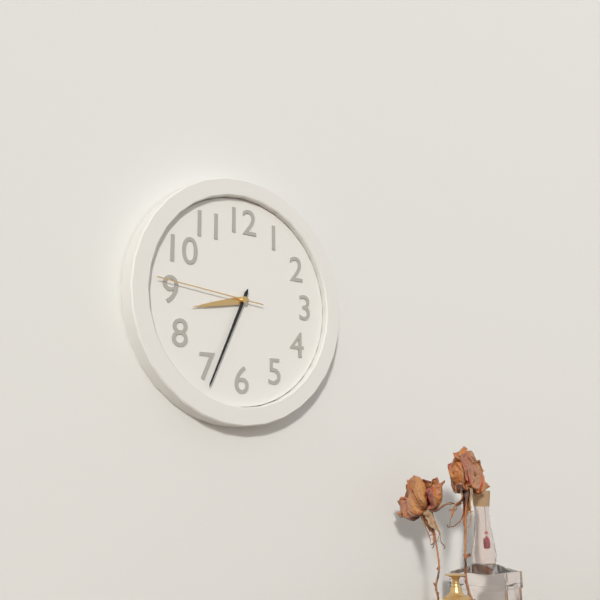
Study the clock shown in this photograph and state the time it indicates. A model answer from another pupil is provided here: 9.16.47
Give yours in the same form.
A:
8.34.46
